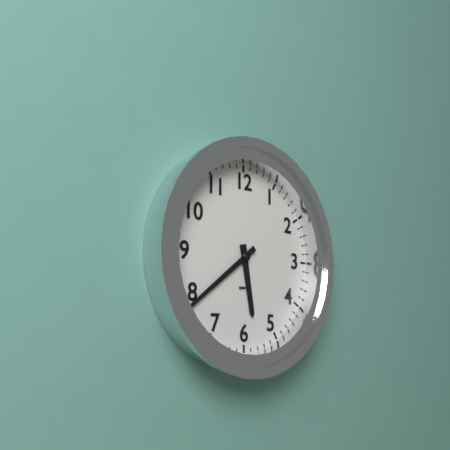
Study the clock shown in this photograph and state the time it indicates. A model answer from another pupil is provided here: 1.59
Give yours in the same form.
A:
5.39
